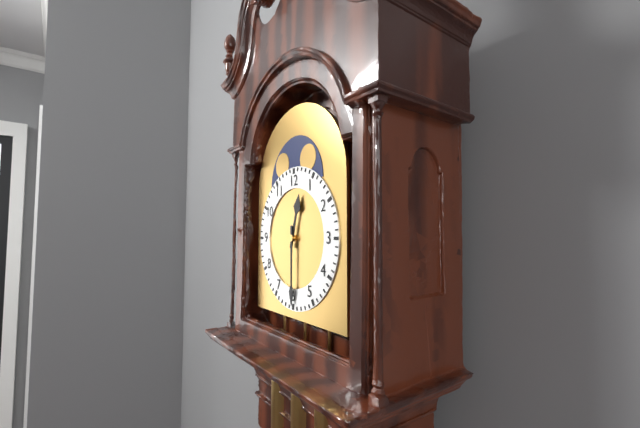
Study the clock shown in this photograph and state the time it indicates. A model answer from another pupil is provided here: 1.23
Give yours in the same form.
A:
12.30
